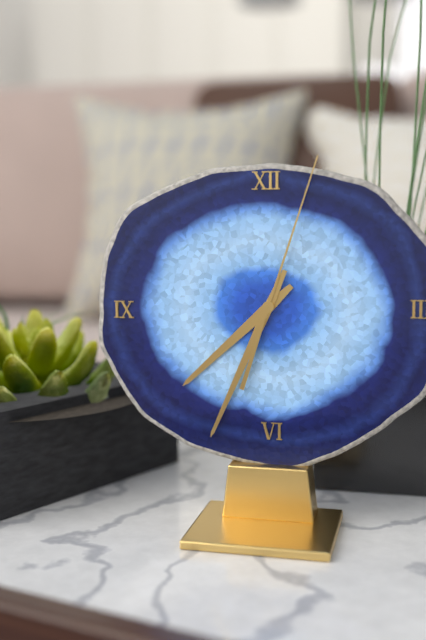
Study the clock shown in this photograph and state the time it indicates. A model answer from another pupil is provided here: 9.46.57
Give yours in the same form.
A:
7.34.03
